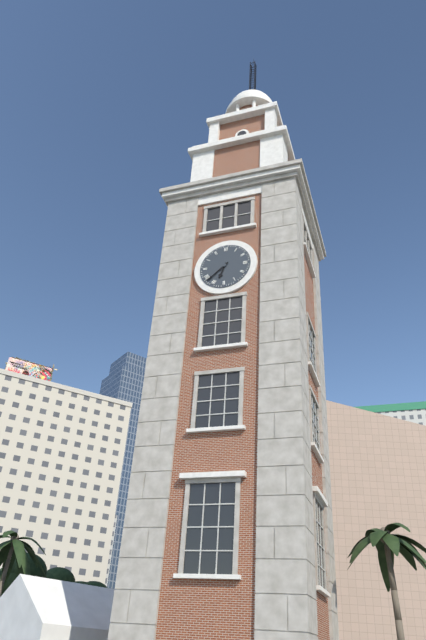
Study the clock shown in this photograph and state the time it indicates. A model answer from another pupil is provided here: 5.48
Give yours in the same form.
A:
6.38
